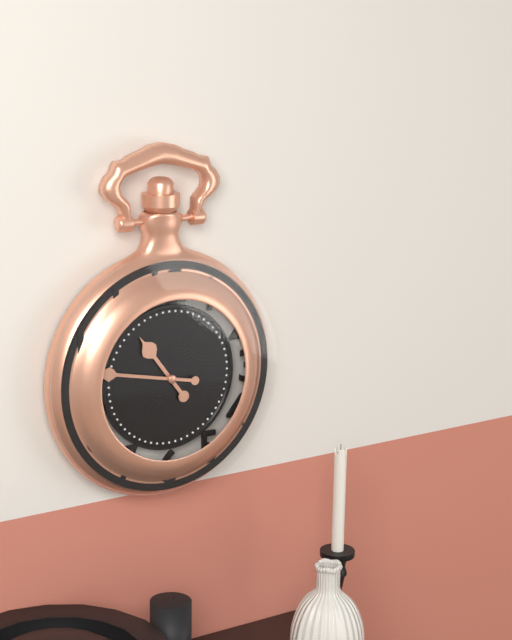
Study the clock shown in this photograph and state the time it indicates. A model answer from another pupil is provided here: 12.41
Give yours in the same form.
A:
10.47
